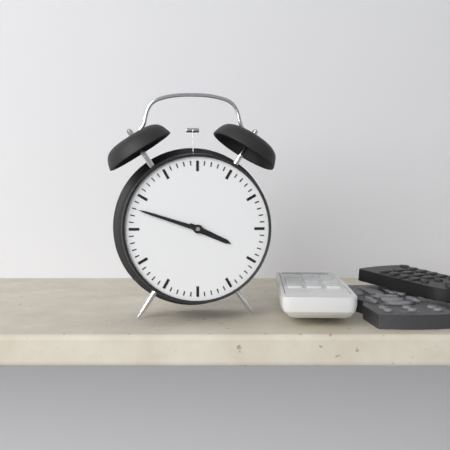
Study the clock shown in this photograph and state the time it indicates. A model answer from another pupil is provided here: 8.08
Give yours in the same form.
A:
3.48
